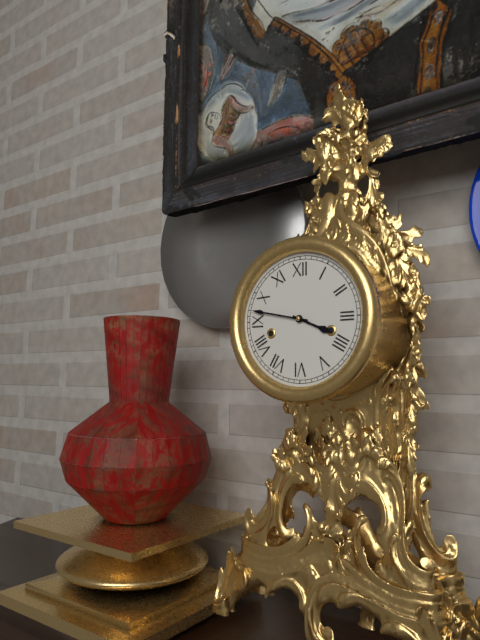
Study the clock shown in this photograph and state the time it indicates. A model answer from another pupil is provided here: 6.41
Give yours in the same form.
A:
3.47
